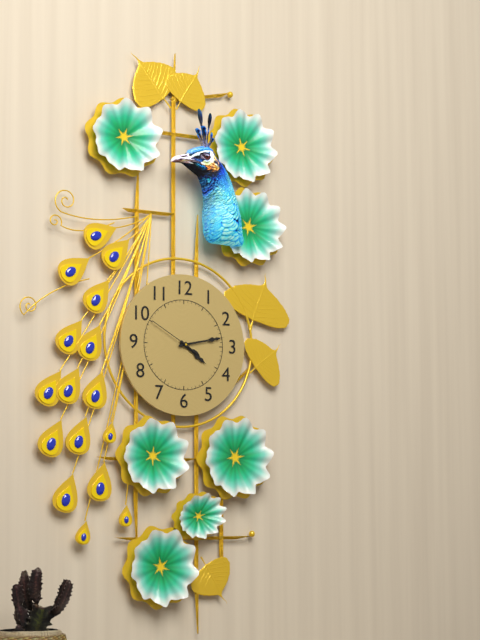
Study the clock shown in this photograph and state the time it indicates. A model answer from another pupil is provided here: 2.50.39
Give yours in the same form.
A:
4.13.50
